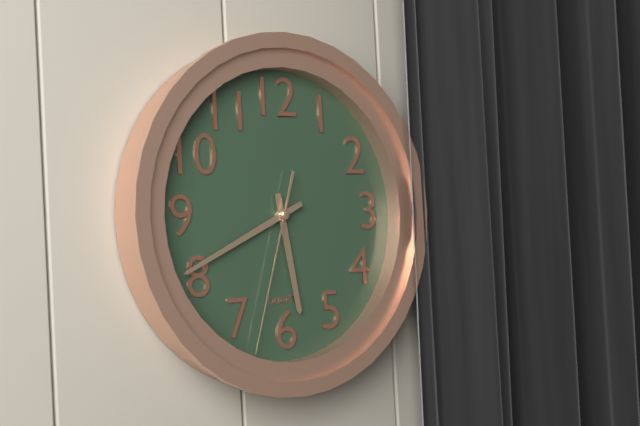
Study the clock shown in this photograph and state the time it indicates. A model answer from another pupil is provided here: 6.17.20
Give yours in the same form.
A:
5.41.33
